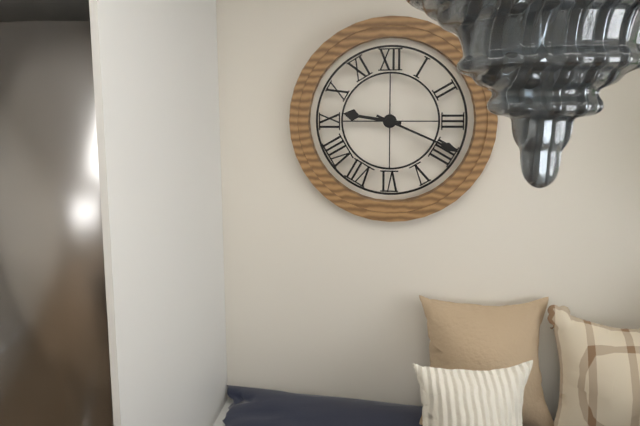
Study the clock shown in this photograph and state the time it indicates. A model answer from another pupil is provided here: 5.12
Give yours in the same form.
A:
9.19
